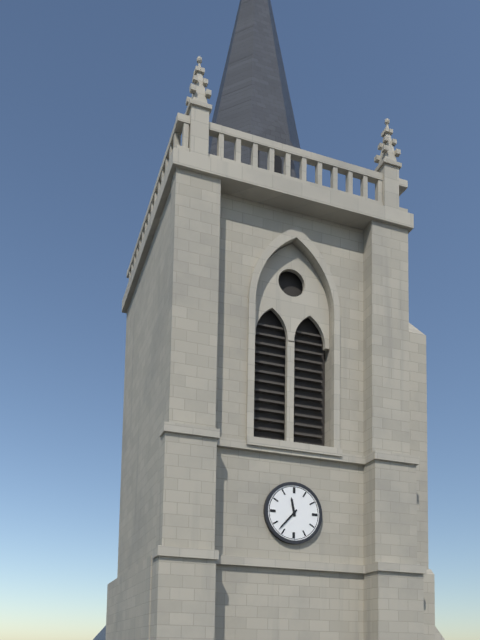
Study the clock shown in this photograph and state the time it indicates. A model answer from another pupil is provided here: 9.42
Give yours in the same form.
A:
11.37
